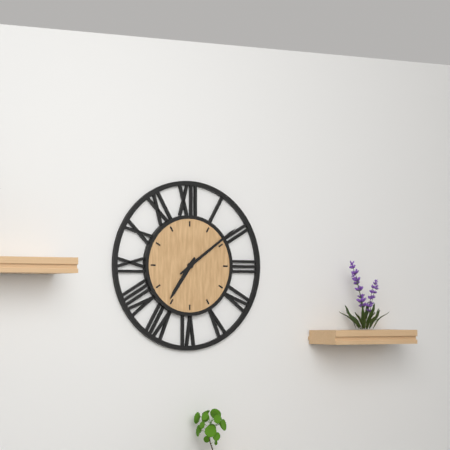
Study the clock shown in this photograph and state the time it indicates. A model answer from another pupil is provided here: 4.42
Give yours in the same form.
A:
7.09
